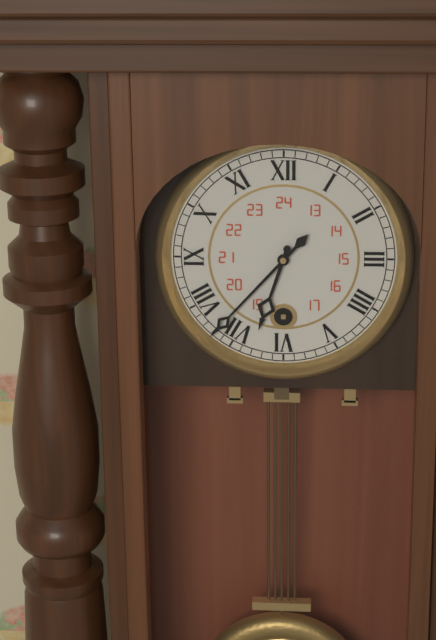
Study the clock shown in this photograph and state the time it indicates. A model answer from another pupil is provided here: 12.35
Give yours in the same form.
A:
6.37
